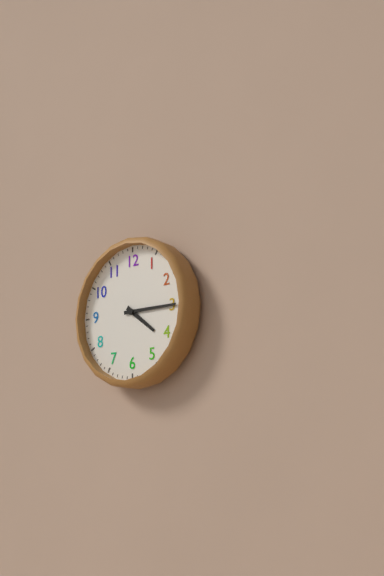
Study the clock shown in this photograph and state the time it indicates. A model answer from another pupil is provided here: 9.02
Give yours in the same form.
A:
4.15
